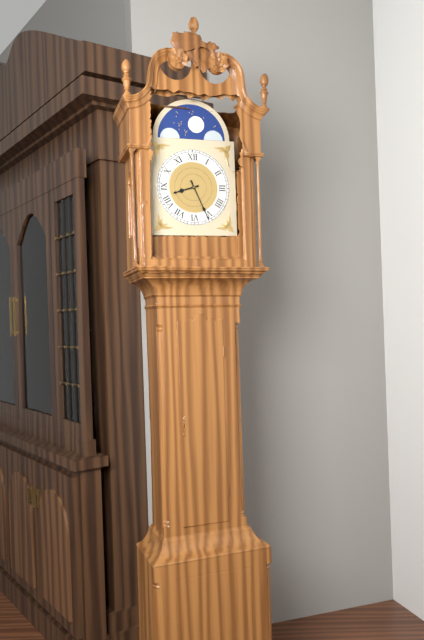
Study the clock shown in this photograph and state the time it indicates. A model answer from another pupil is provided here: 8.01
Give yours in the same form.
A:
8.26
